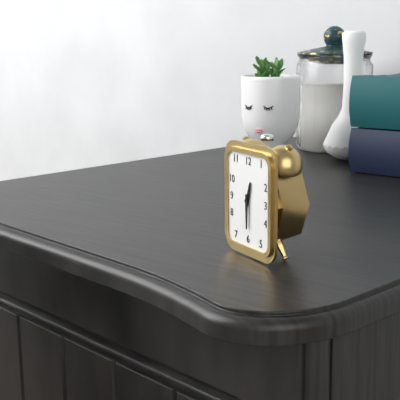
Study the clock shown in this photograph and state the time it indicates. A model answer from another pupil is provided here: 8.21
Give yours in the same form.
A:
12.30
